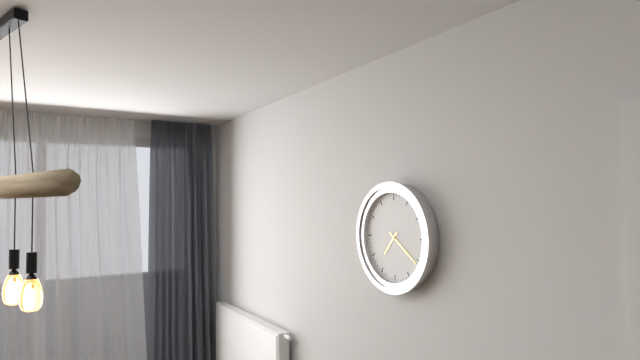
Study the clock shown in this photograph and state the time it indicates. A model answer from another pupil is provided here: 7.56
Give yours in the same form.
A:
7.21
